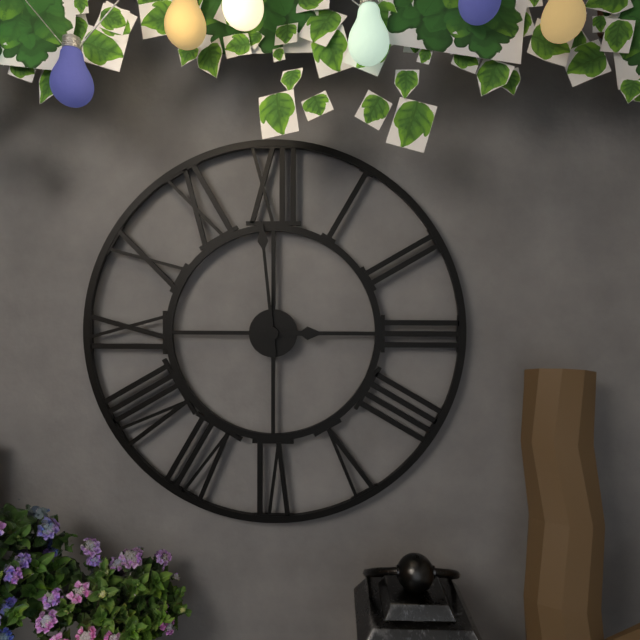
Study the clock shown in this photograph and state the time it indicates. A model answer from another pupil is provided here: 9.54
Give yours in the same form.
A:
2.59
